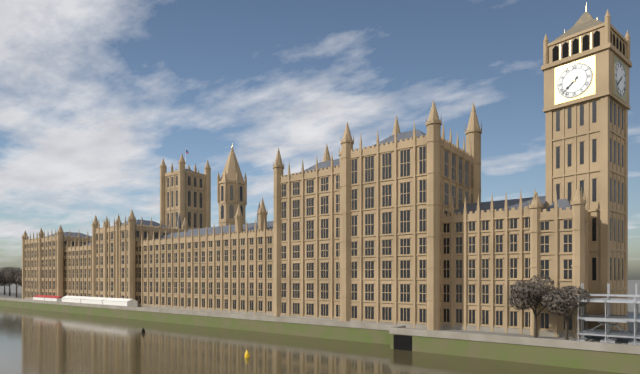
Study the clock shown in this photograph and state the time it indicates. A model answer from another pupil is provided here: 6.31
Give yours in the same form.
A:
7.38
